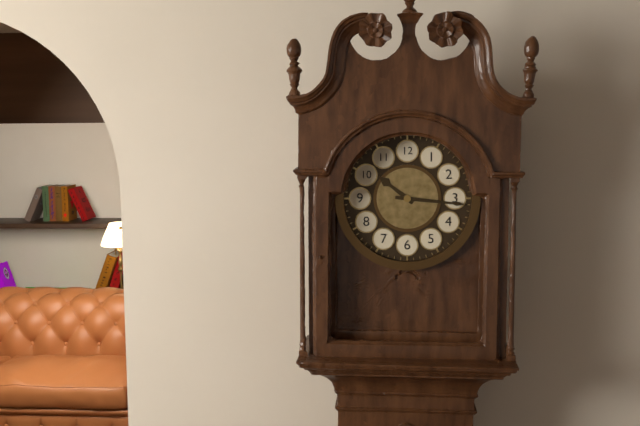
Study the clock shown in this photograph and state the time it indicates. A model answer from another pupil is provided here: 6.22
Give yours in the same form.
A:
10.16
